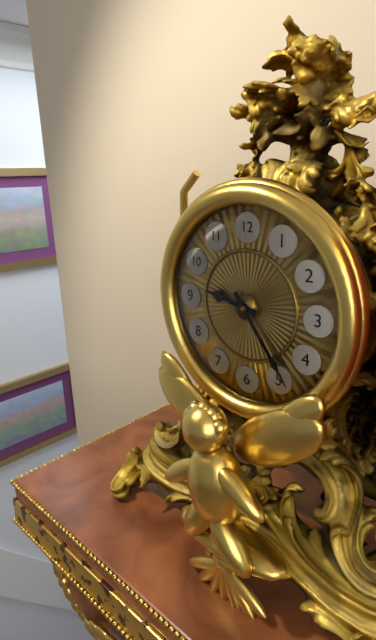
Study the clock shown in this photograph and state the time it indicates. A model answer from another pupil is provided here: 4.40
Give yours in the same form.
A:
9.24
